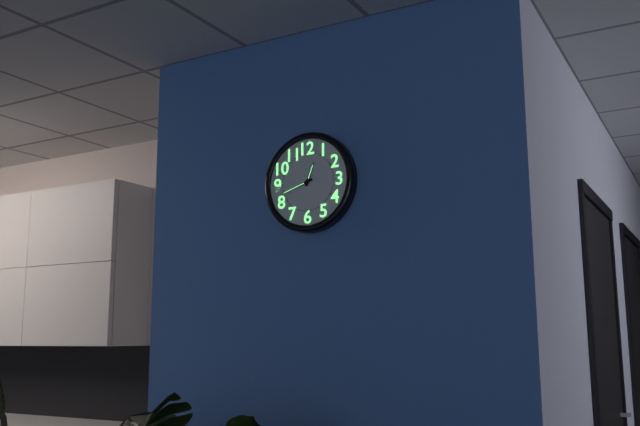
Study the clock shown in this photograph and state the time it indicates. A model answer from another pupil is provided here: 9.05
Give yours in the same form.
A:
12.42
